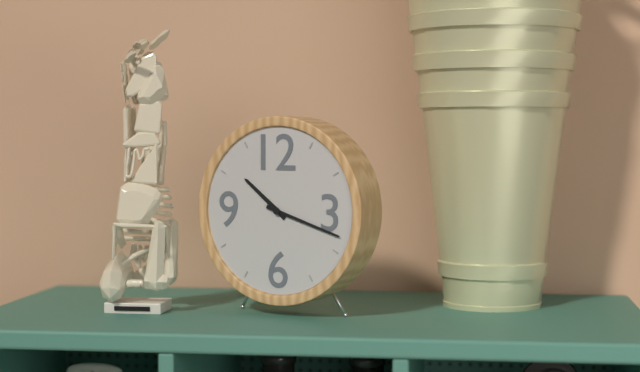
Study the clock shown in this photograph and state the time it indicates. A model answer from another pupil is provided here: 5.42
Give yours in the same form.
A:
10.18
